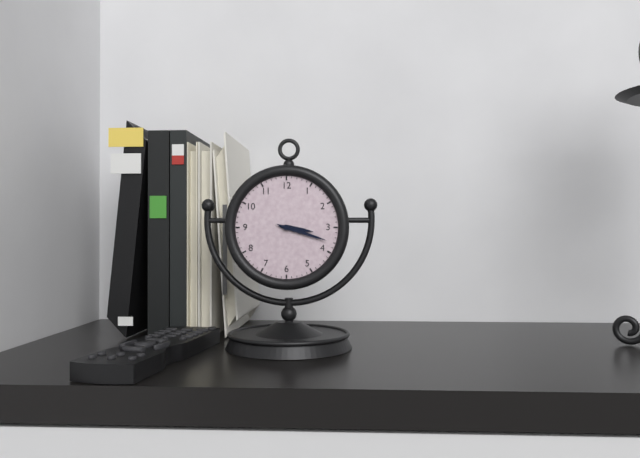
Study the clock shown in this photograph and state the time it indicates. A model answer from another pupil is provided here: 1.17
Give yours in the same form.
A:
3.18
